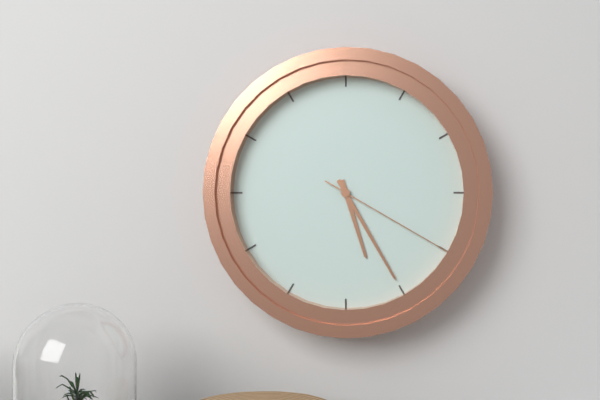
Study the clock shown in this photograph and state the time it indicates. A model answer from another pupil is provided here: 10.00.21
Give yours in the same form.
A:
5.25.20
